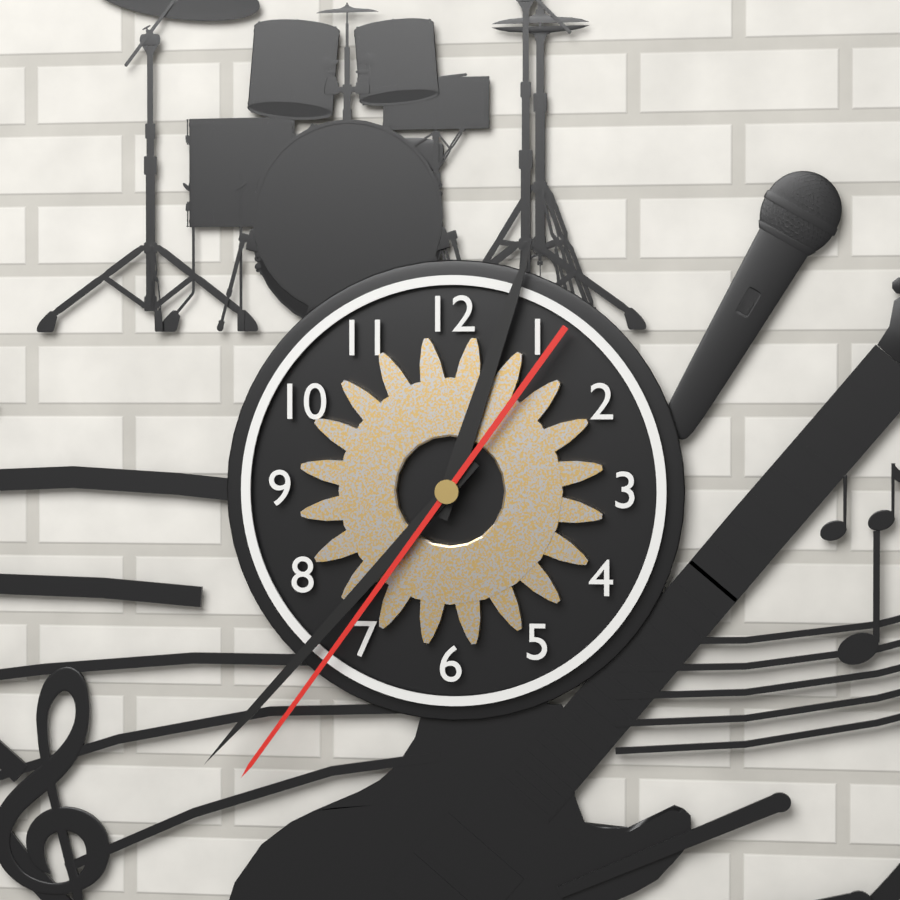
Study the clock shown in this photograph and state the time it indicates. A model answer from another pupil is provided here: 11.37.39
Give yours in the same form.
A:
12.37.36
